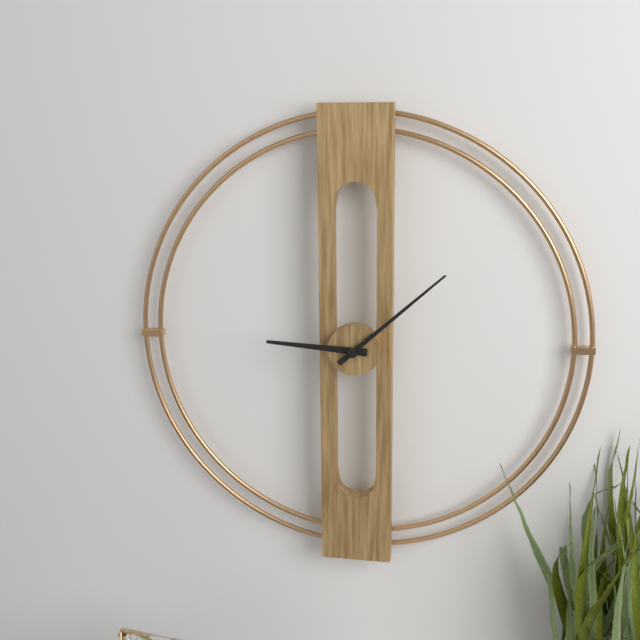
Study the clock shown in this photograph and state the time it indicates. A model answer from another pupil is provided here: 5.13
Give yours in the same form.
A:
9.08
